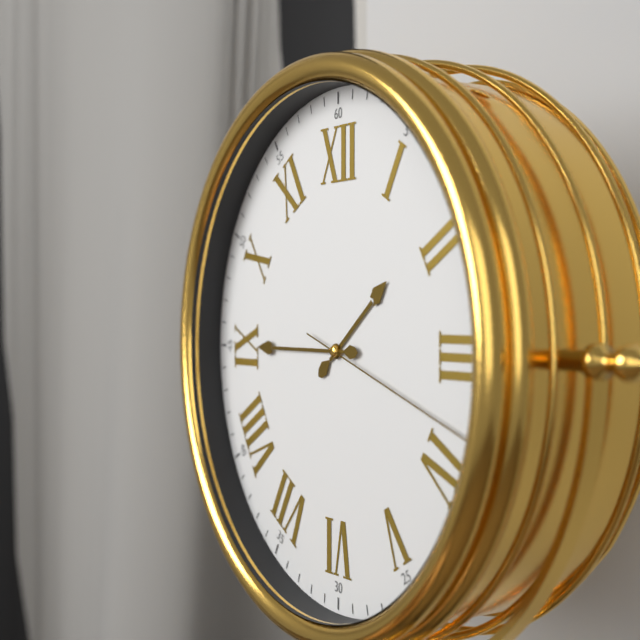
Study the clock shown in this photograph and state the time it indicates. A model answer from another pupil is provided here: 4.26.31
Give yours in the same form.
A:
1.45.18
